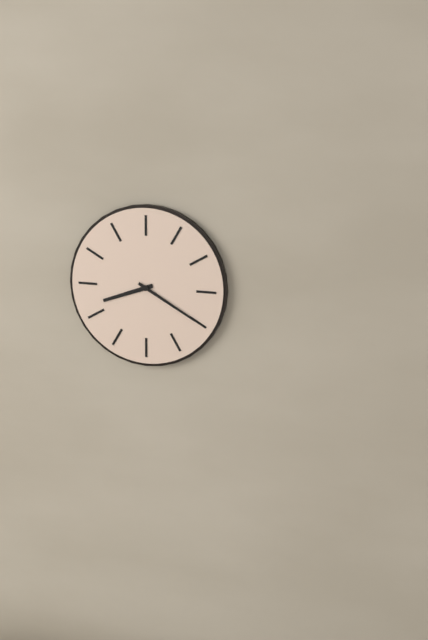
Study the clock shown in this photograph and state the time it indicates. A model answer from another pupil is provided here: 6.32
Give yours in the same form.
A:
8.20
